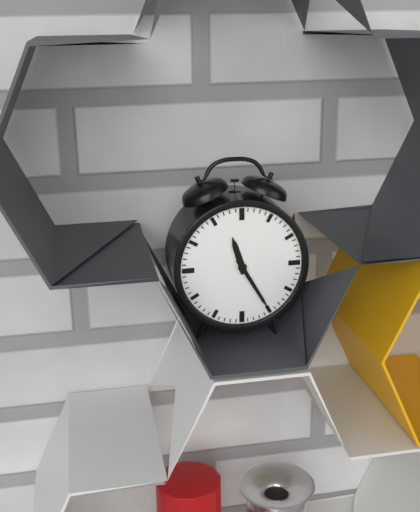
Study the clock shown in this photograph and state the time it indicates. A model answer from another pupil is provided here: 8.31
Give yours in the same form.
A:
11.25
